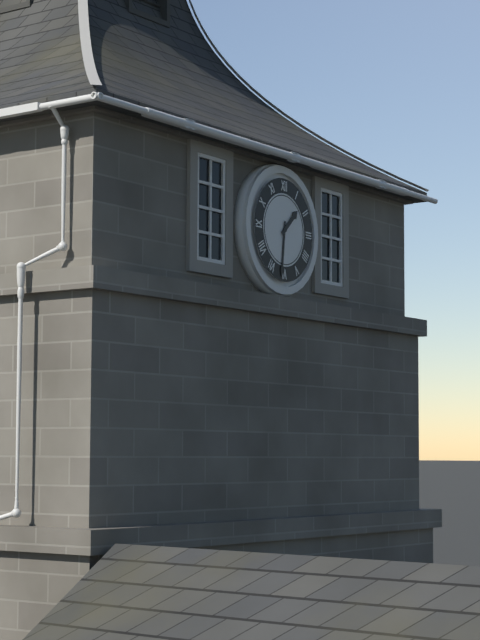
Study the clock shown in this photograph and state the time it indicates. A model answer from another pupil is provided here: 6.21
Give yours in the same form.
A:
1.31
